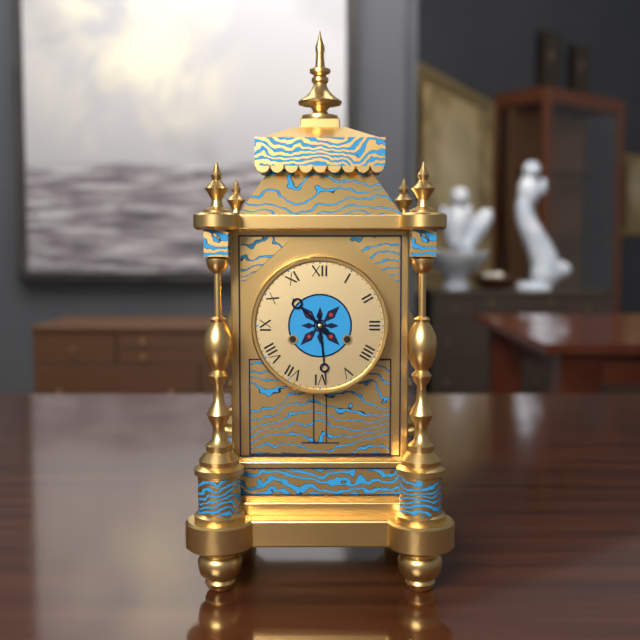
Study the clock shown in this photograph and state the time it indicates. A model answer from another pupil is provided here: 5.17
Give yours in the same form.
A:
10.29
